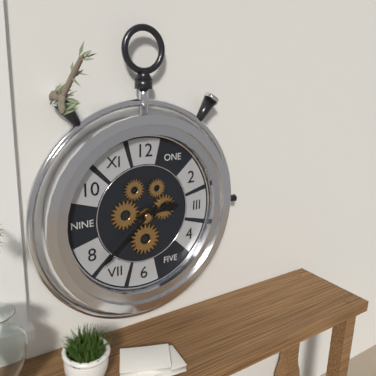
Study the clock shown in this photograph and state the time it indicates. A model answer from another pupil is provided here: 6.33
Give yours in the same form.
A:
2.38
